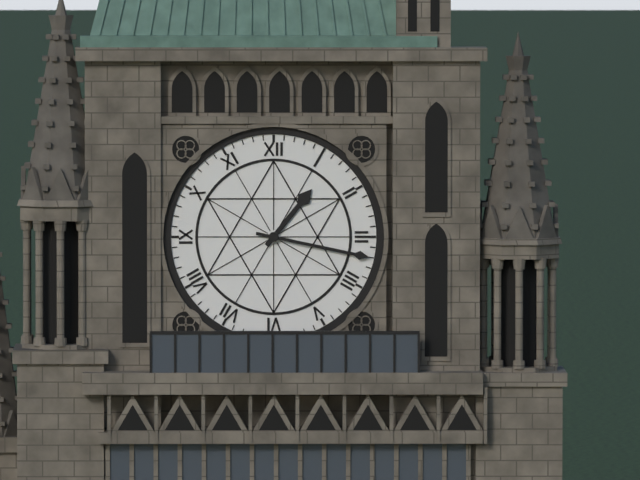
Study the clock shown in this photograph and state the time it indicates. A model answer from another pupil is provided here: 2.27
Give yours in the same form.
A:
1.17
